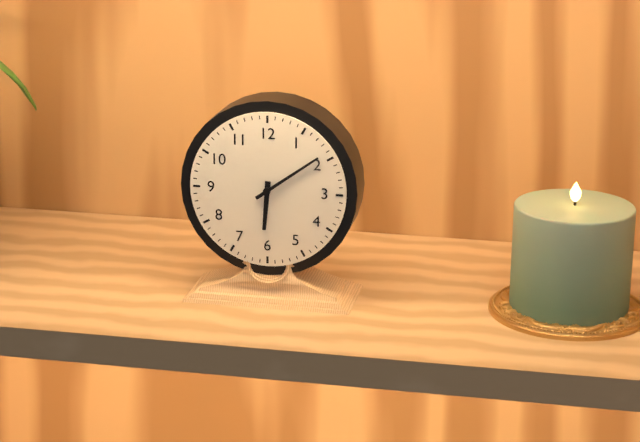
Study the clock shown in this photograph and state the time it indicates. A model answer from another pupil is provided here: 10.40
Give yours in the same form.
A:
6.09
